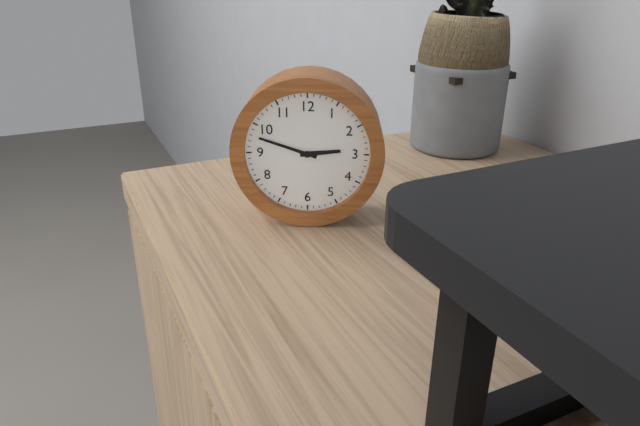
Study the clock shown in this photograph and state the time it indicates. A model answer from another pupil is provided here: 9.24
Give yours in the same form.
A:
2.48
